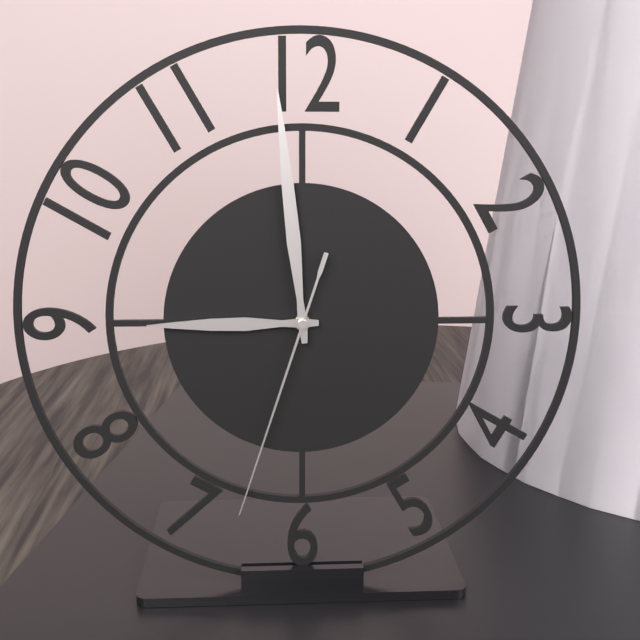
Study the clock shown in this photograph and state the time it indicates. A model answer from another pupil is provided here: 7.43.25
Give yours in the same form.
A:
8.59.33
